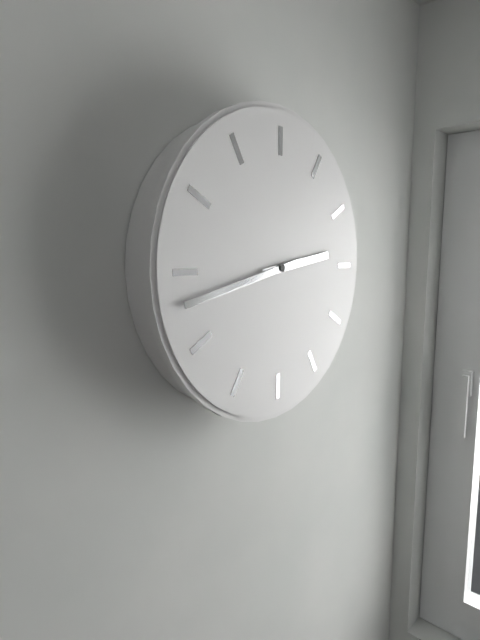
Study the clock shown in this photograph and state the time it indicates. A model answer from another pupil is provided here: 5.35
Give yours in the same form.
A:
2.43
